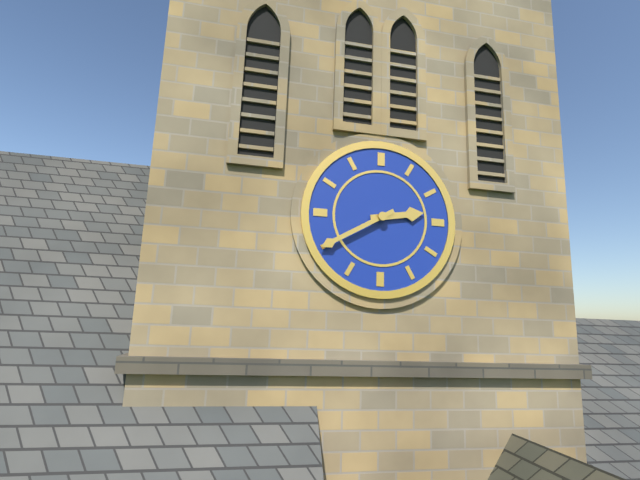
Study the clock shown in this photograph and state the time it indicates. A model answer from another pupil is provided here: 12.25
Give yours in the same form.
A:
2.40
